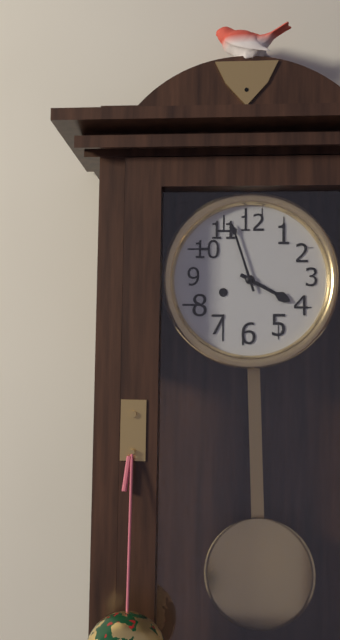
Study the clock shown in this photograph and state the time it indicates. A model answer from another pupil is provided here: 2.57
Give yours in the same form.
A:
3.57
